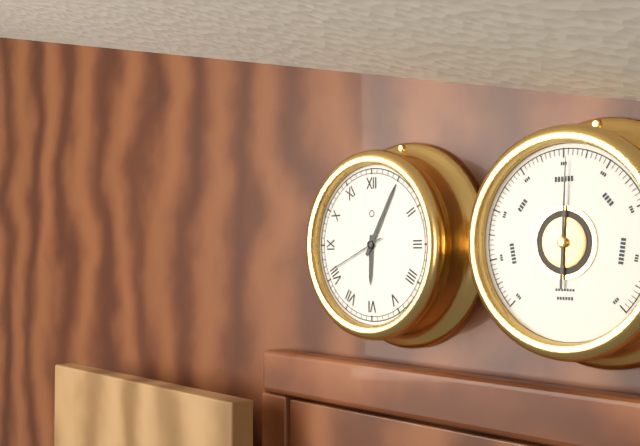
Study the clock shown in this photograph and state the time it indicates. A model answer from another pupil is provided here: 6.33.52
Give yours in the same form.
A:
6.05.41
